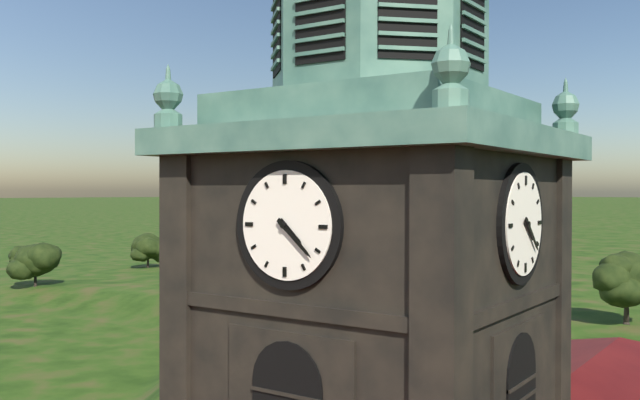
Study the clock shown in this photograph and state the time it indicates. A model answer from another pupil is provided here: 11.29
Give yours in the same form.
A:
4.22
